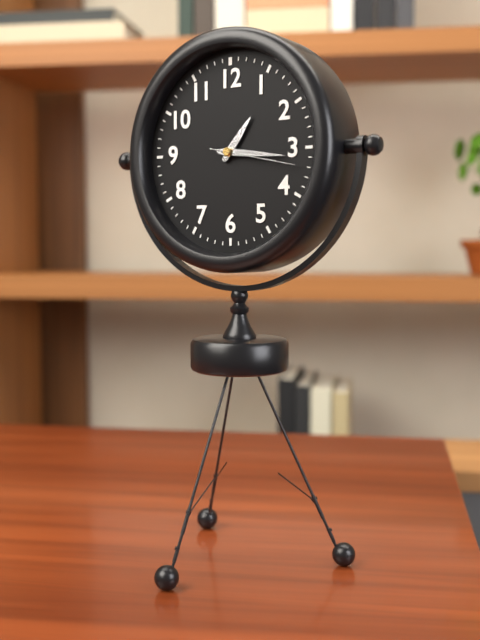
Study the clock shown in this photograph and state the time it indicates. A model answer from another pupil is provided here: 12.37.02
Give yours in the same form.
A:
1.16.17
